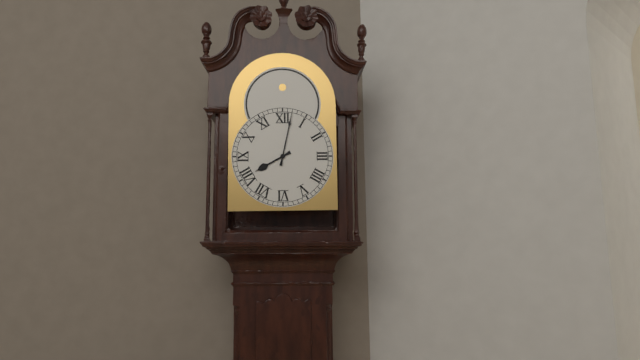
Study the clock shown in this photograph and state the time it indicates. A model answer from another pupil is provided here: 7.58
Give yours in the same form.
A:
8.02
